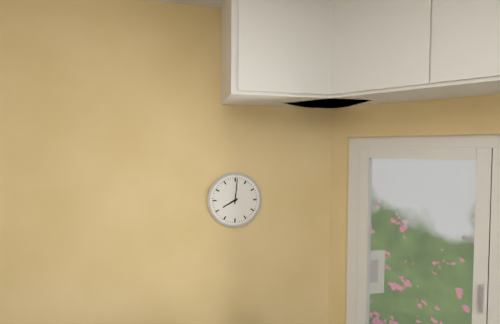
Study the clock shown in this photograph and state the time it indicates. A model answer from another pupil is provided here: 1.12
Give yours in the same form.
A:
8.01
